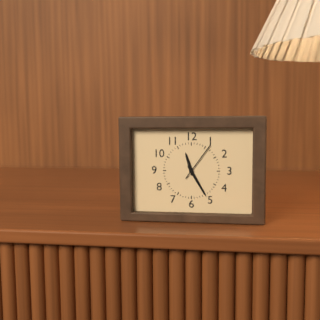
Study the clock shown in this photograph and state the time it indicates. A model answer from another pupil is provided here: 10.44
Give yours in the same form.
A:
11.25
